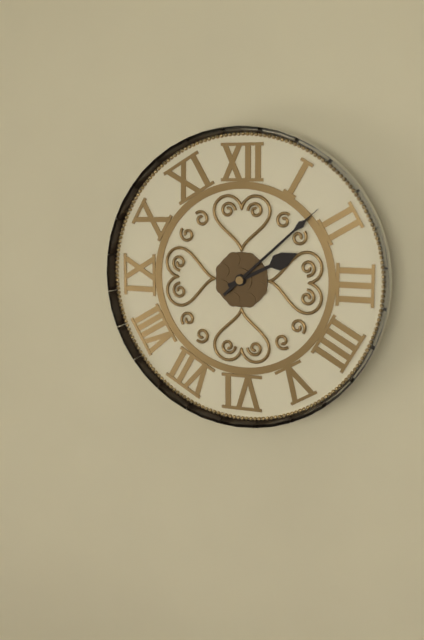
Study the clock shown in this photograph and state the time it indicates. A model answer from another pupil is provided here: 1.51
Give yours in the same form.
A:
2.08
